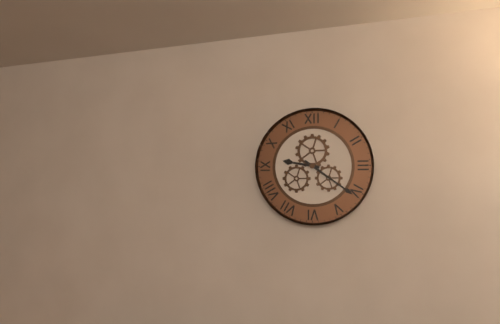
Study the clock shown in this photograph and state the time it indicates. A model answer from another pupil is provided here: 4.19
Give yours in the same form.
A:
9.21
